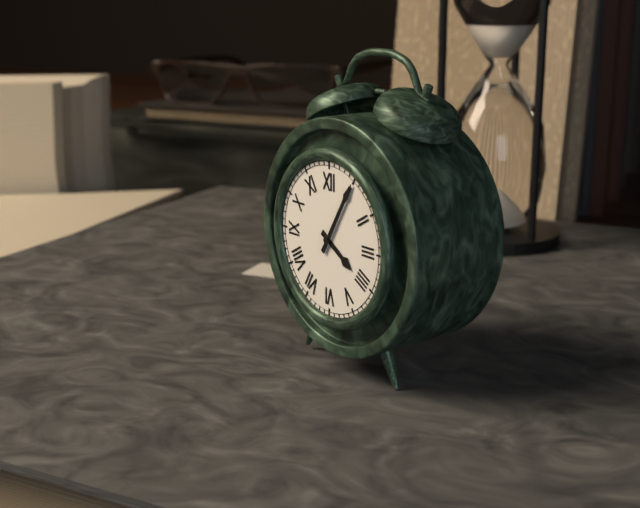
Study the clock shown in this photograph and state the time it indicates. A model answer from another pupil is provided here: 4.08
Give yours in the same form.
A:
4.05
